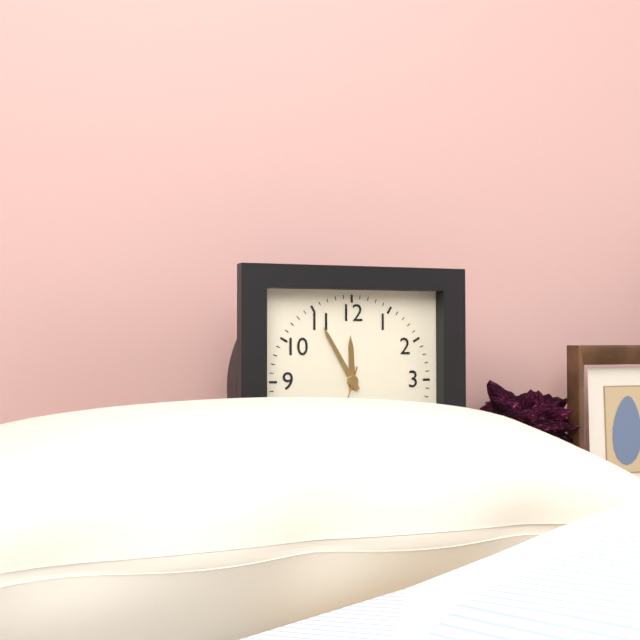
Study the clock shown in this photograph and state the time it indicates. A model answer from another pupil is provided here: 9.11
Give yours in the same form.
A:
11.55
